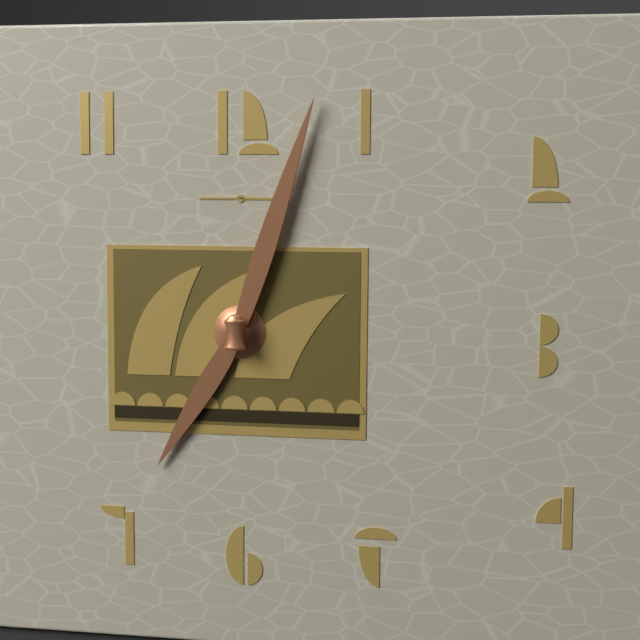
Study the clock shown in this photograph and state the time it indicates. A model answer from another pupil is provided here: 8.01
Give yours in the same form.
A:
7.03
